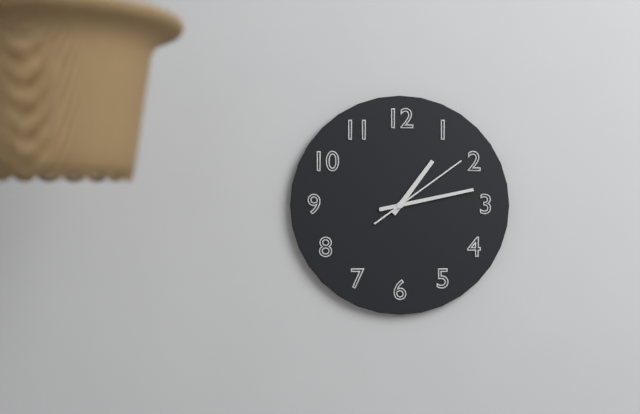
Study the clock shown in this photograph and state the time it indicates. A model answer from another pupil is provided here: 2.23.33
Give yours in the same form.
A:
1.13.09
